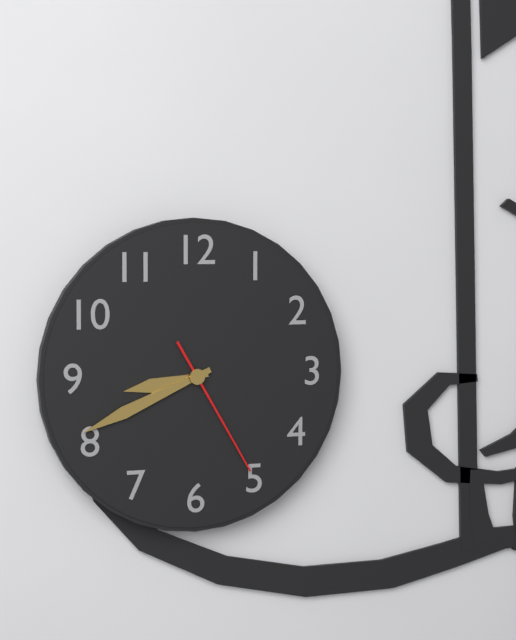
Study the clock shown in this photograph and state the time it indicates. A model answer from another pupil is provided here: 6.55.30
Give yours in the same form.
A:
8.41.25
